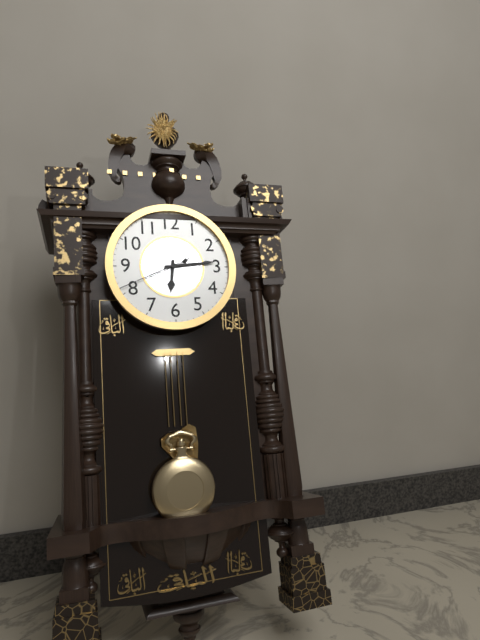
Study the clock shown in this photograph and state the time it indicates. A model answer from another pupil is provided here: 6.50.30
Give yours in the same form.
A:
6.14.41
